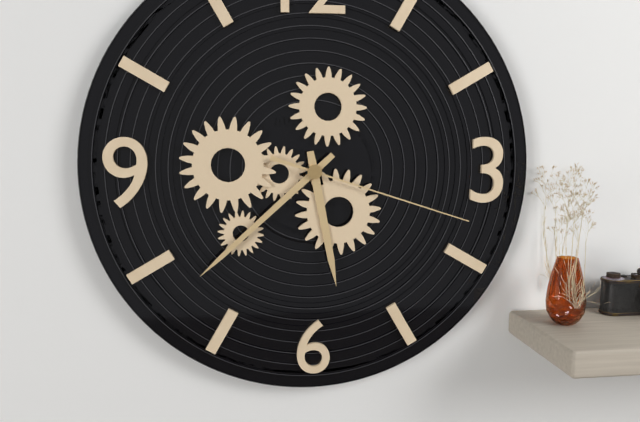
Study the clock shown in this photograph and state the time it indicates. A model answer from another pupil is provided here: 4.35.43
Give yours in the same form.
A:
5.38.18
